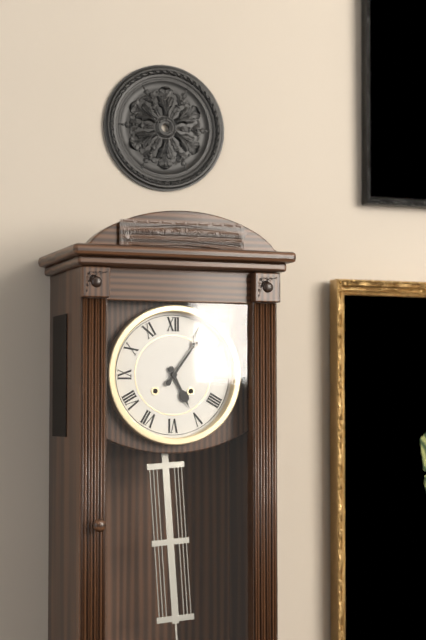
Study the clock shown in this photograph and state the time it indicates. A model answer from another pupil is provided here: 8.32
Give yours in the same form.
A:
5.06
